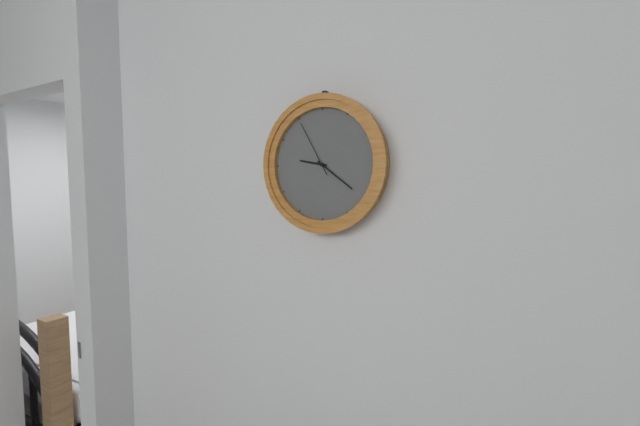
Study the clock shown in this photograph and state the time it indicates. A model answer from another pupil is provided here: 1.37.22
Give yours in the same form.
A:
9.21.55
